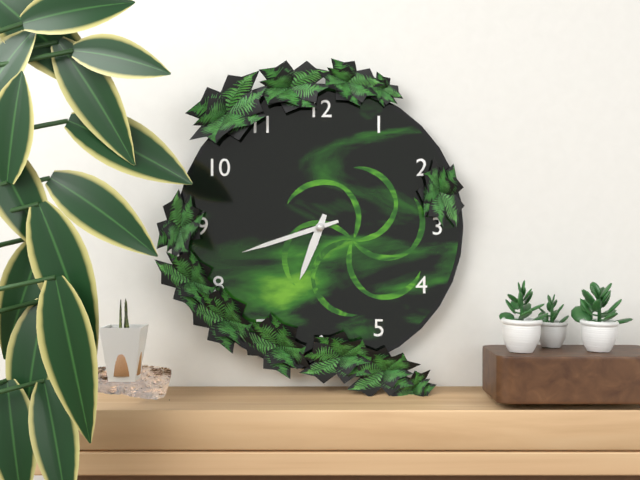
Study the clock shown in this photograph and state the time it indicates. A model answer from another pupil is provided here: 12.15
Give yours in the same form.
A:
6.42
